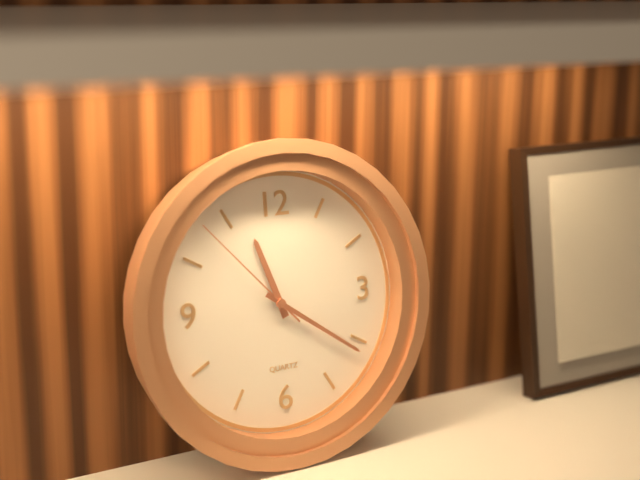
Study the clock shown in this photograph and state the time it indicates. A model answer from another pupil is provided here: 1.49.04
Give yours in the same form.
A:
11.21.53
